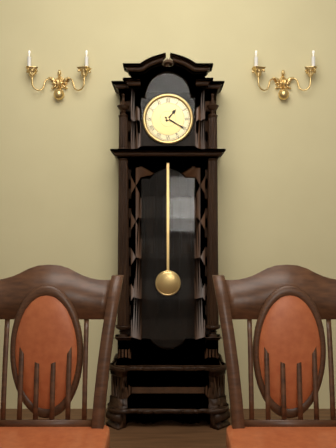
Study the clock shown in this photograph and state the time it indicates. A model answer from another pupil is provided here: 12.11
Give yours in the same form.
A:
1.20
